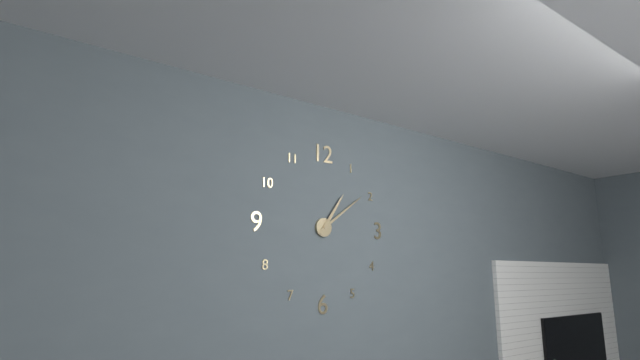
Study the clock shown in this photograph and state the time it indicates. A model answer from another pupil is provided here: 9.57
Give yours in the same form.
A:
1.09
